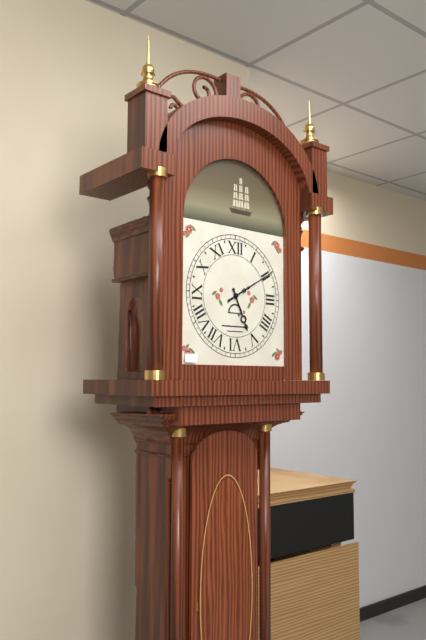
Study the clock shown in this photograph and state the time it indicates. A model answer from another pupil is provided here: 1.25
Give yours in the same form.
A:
5.10
